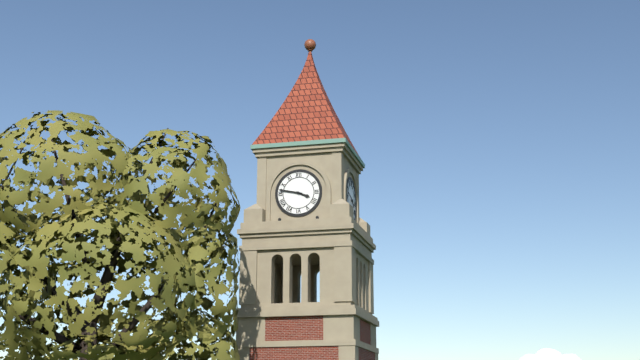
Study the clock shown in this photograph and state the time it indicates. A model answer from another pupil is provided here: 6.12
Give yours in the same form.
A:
3.47
